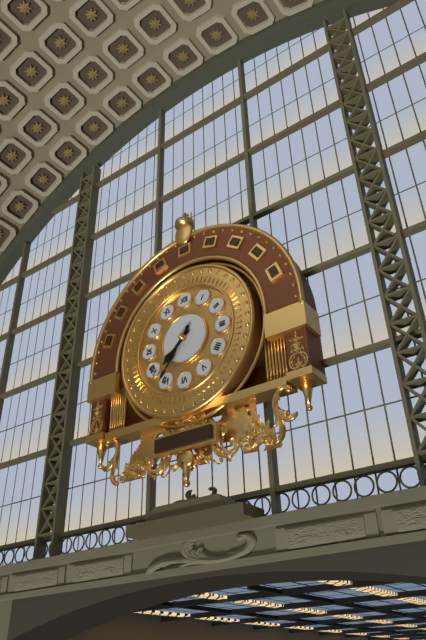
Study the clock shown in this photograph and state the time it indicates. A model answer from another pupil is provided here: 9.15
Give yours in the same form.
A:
7.36
